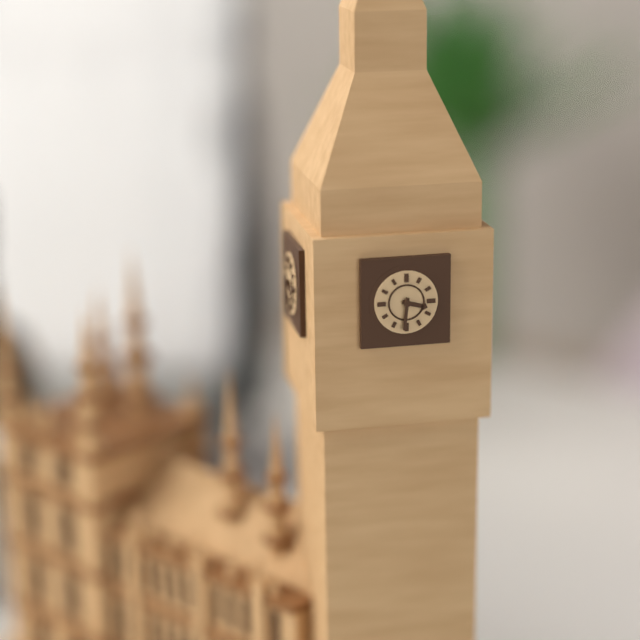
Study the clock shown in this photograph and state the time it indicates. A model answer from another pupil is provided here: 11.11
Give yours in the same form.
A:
3.31
